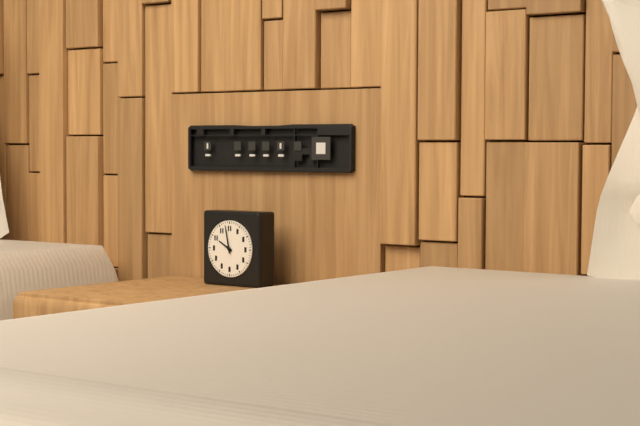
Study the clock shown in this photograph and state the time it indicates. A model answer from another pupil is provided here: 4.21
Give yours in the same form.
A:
9.58
